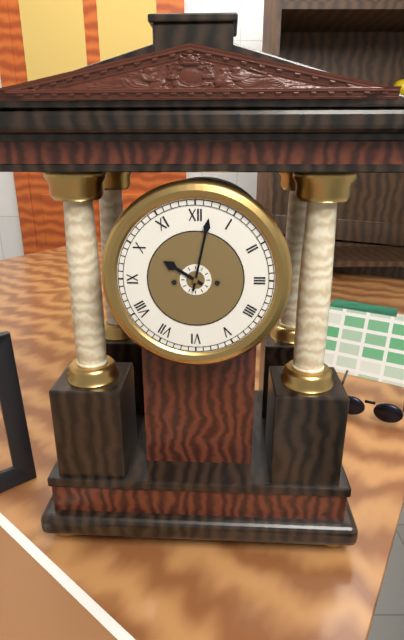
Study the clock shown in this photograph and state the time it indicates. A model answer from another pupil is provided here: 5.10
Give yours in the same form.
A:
10.02
